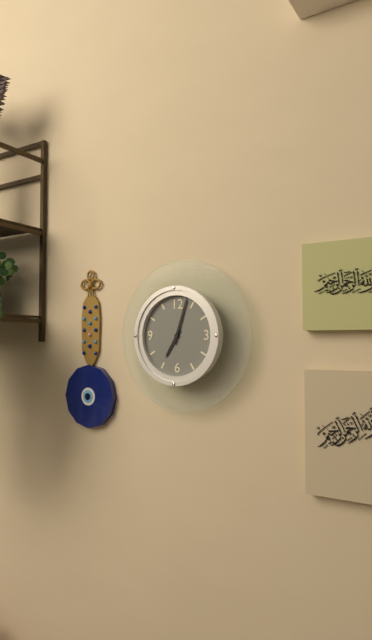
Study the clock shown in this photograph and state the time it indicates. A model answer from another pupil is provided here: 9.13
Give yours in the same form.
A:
7.03
